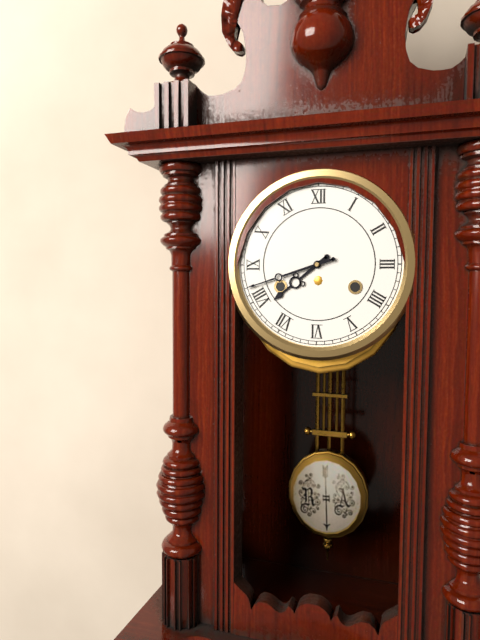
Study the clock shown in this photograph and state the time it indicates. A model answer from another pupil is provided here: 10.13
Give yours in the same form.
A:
7.42
